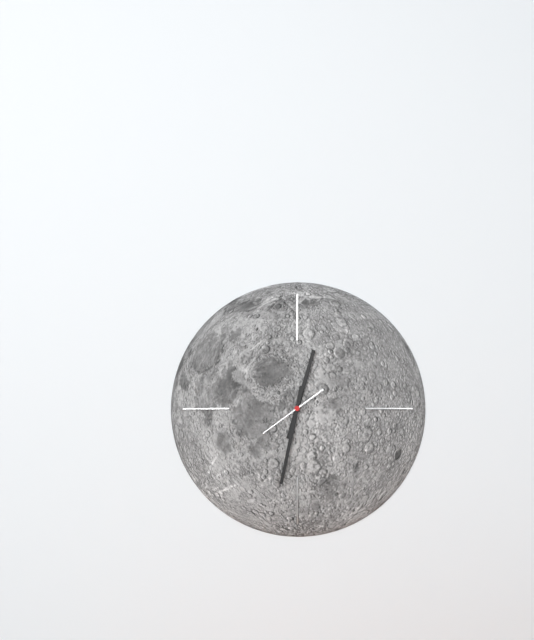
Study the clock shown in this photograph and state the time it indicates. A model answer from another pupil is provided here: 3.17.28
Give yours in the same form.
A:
12.32.39
